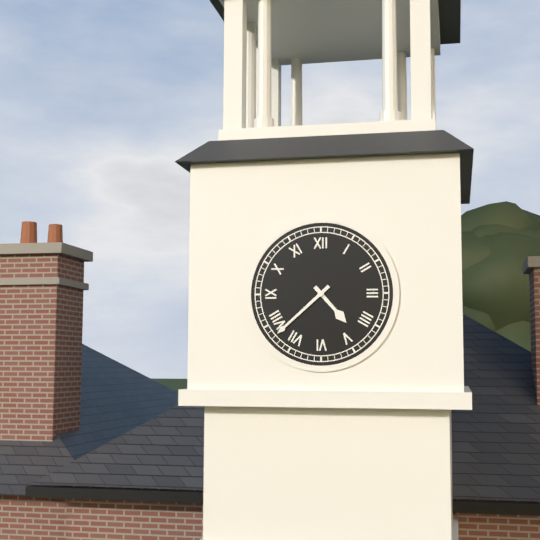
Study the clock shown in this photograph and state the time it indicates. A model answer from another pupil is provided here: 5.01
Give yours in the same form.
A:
4.38
